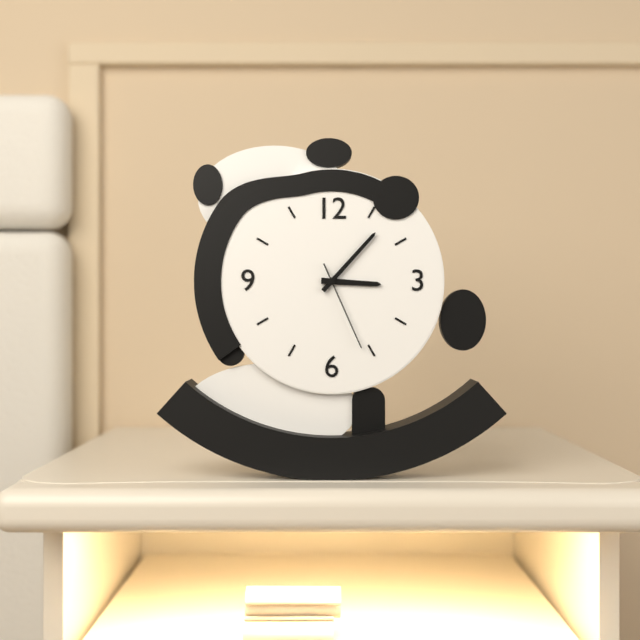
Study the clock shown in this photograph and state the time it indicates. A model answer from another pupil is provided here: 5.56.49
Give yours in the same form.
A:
3.07.26
